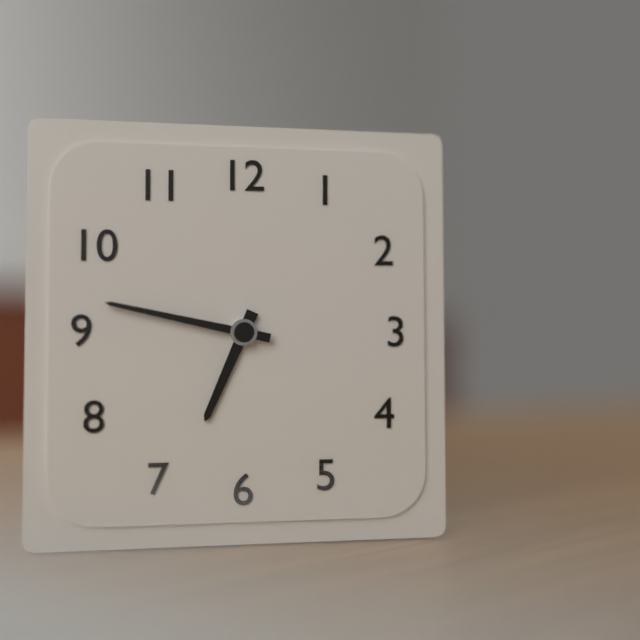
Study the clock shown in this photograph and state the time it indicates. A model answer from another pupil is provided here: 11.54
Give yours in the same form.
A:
6.47
